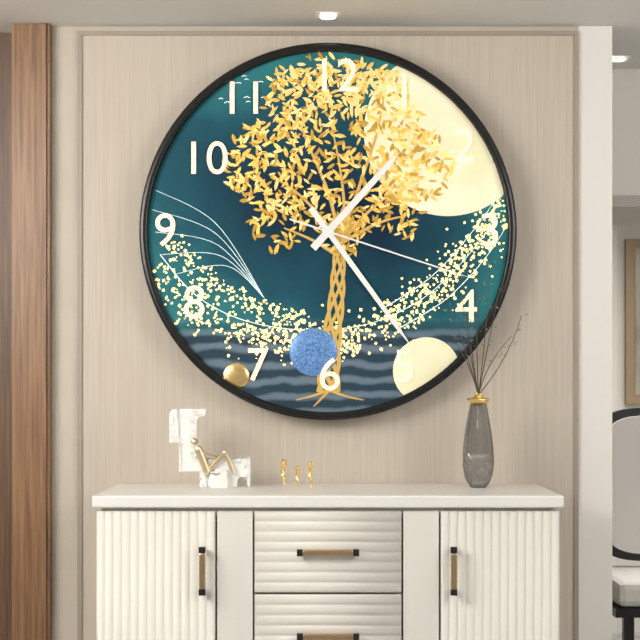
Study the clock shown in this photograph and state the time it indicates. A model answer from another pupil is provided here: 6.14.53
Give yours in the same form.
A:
1.24.18
